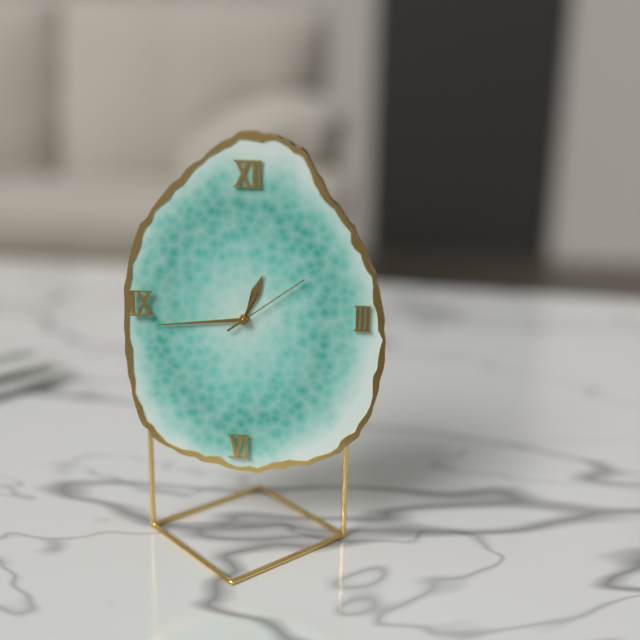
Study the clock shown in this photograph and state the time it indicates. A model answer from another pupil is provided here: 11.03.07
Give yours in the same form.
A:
12.44.09
